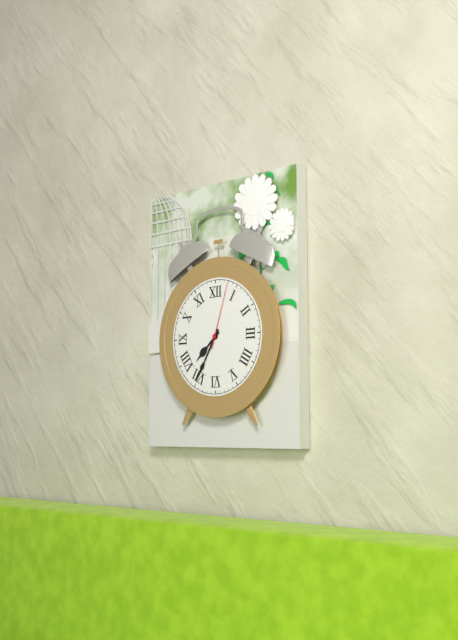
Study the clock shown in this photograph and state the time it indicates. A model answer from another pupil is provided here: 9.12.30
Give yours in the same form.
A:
7.35.03
